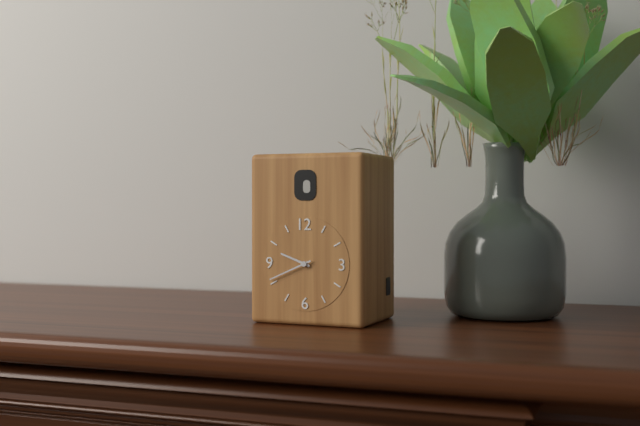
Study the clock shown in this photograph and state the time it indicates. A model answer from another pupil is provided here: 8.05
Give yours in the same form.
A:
9.41
